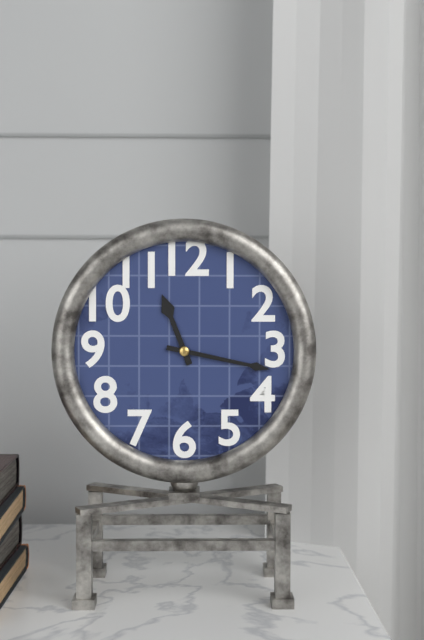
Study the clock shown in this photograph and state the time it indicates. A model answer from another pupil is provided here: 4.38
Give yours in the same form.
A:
11.17
